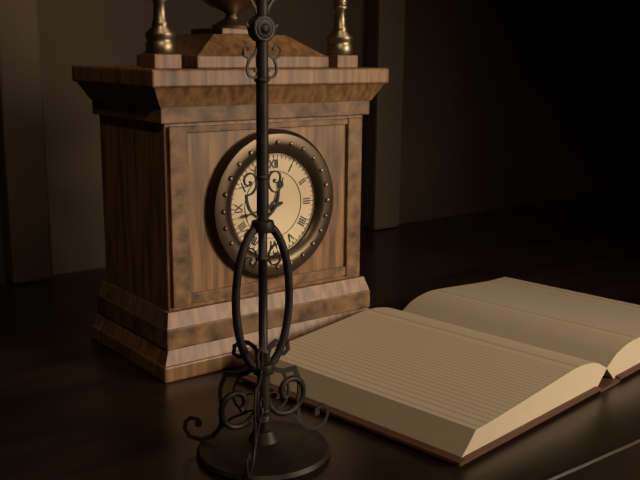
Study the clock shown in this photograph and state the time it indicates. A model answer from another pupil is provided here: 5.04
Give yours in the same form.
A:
12.43
